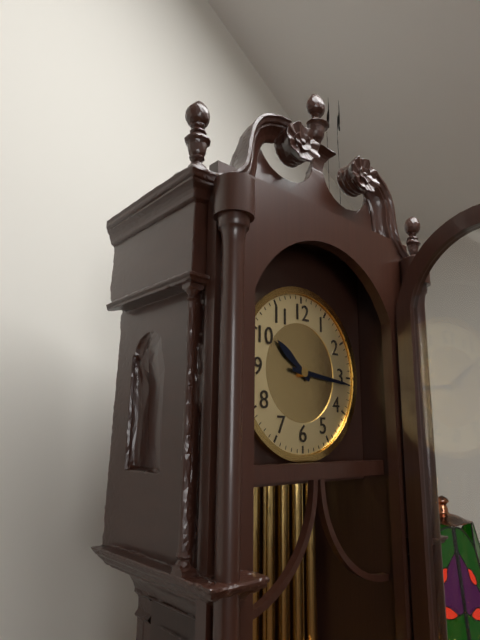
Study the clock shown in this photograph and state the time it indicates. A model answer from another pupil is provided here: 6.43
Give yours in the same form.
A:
10.16
